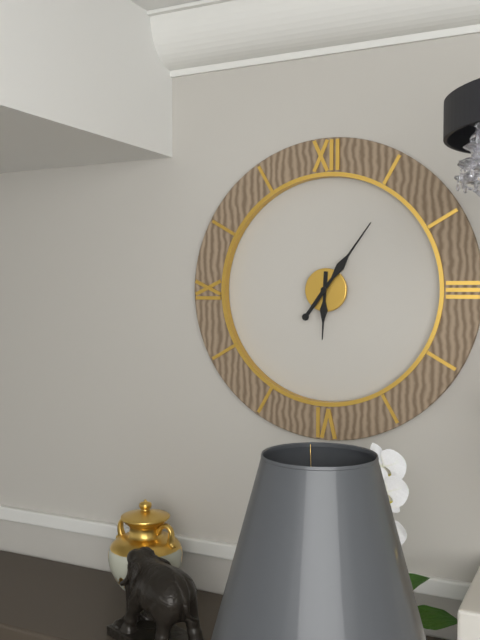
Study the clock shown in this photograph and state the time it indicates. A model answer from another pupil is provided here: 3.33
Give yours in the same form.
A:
6.06
